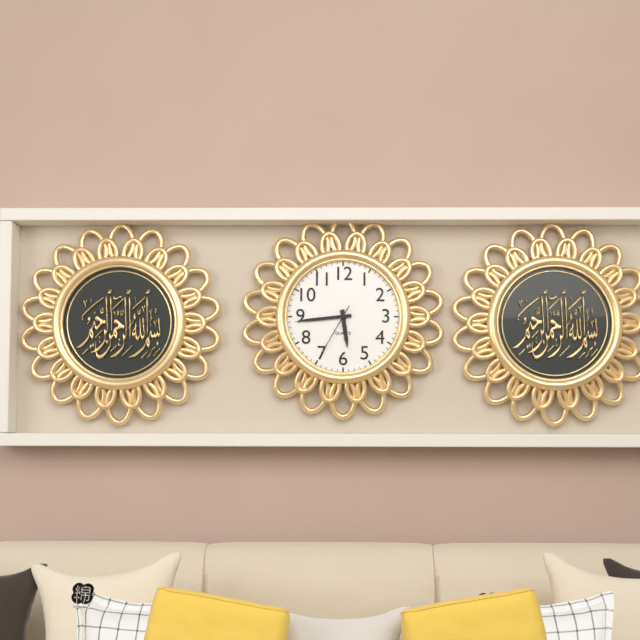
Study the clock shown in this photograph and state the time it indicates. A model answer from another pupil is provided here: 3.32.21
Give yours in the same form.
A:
5.44.35
